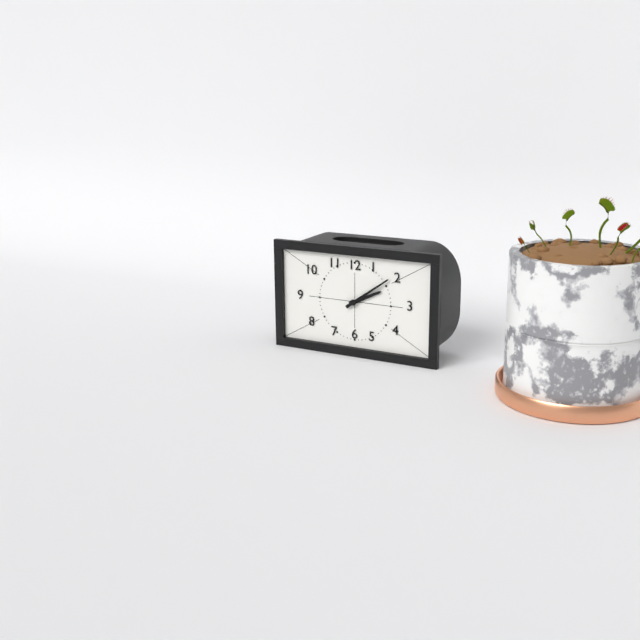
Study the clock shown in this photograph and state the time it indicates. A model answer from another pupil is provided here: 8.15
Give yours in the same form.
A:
2.09
